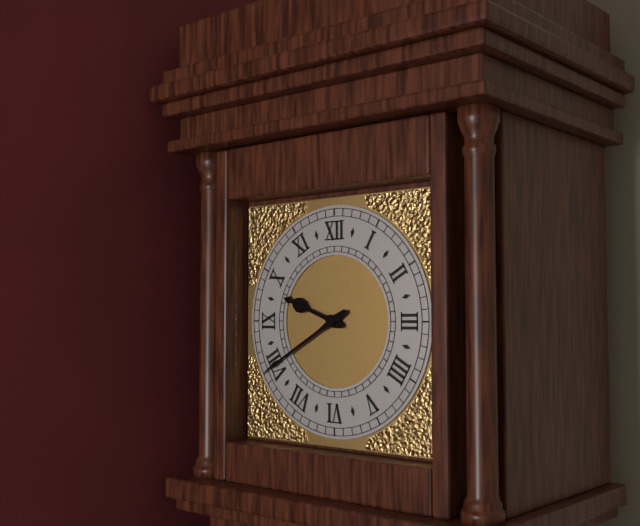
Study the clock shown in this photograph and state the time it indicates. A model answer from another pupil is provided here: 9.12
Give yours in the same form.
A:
9.40
